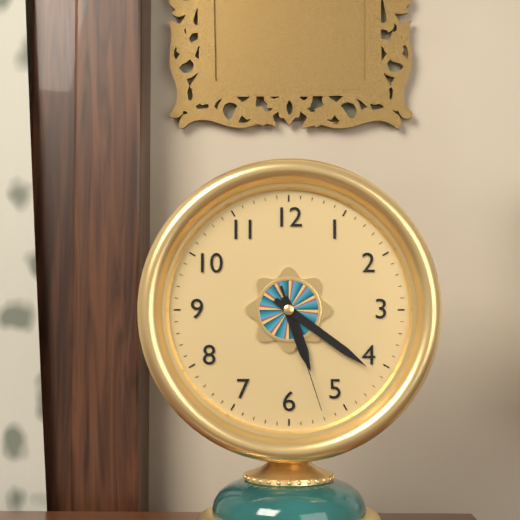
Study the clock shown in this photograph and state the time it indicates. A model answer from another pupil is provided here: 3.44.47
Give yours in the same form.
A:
5.21.27
